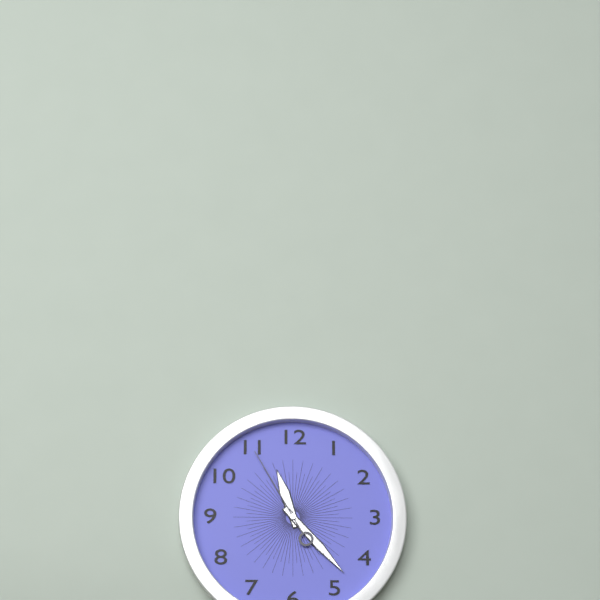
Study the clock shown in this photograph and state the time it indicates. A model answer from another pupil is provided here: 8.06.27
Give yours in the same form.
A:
11.23.55
